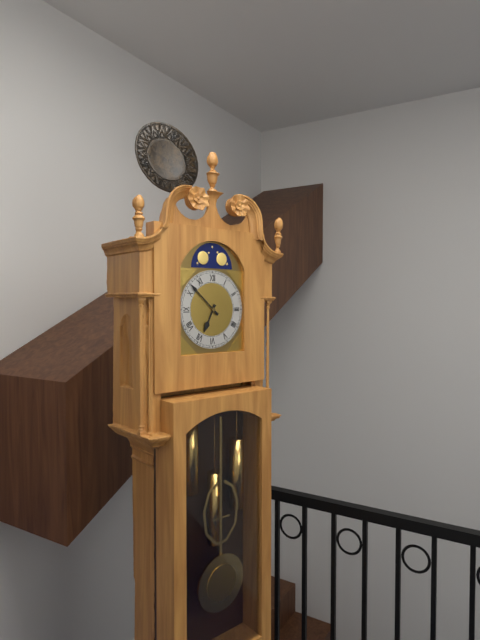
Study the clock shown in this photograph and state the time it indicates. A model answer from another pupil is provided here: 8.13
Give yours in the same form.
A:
6.52
